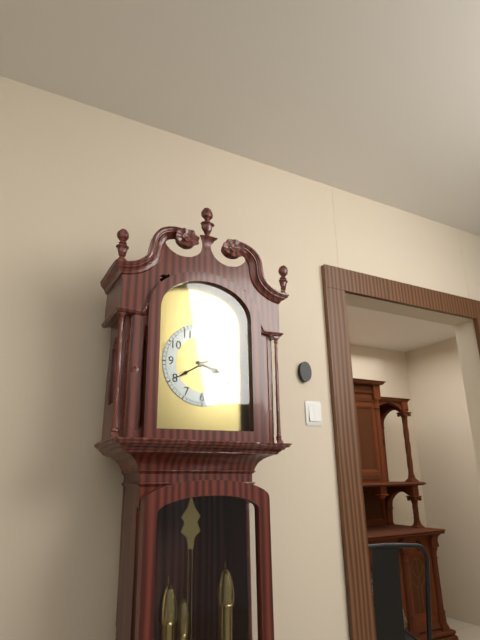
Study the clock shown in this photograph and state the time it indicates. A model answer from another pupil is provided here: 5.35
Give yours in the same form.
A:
3.40
